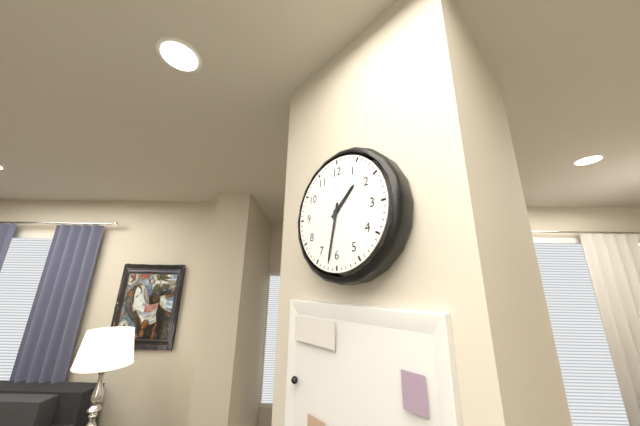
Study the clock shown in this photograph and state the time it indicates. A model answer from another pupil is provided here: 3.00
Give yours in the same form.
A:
1.32
